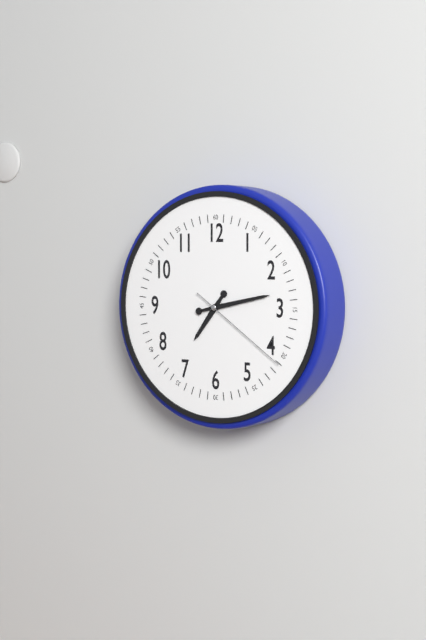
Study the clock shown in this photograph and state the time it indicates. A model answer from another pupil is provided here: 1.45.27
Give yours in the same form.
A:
7.13.21
